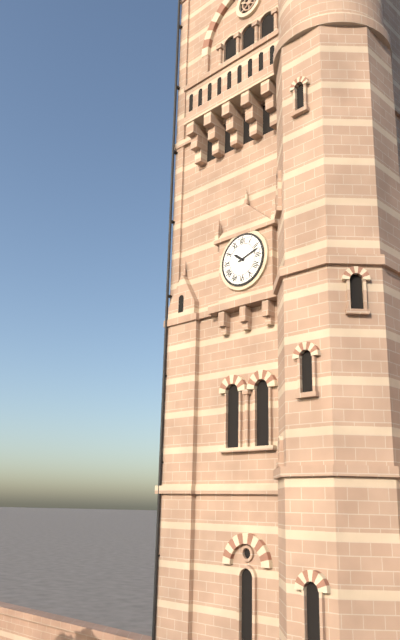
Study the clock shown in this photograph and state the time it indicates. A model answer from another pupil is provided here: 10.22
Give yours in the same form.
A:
10.12
